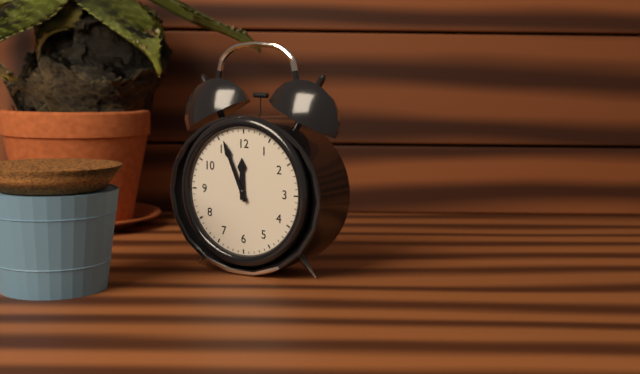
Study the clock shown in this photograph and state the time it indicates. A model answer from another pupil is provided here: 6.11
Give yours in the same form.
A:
11.56
